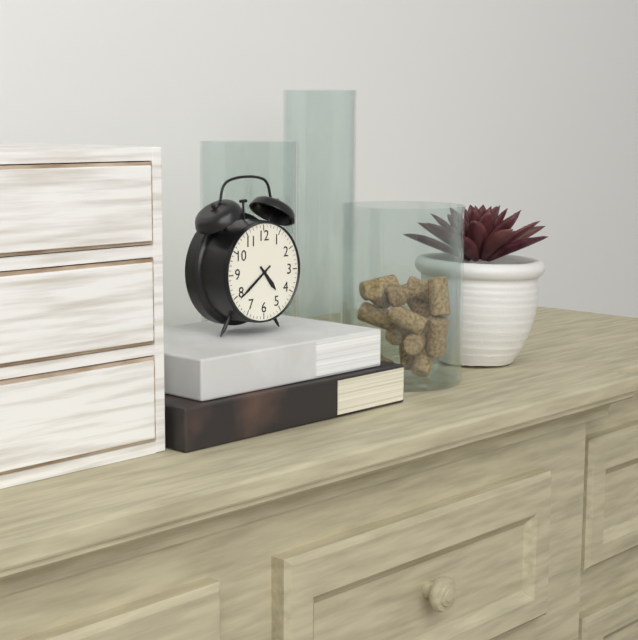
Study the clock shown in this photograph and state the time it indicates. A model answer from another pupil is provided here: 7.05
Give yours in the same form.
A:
4.39
